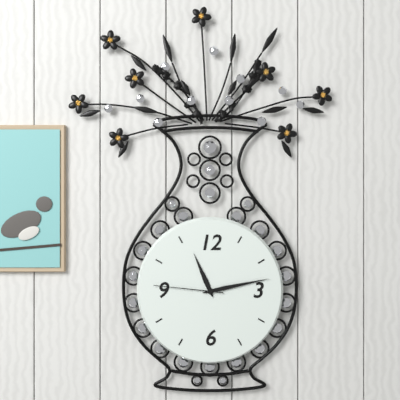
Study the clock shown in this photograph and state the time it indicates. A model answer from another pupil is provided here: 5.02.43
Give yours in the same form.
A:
11.13.46
